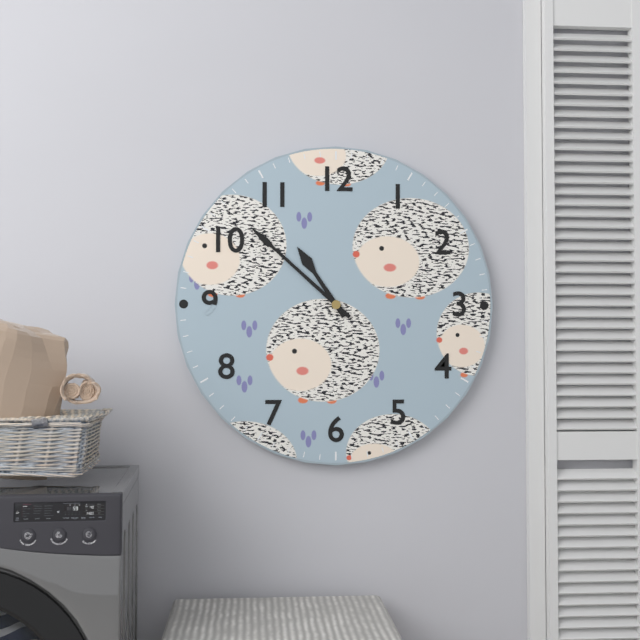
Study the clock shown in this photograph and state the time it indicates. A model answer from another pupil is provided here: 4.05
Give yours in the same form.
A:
10.52
